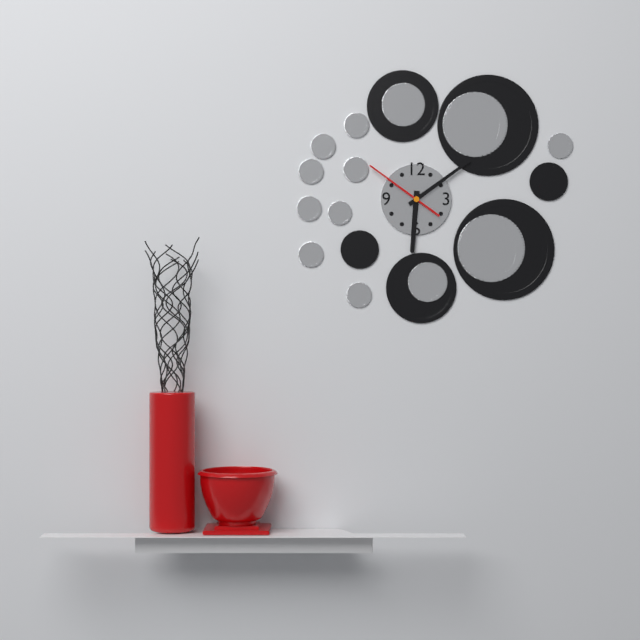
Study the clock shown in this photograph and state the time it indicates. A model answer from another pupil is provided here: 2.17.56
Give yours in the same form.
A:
6.09.51
